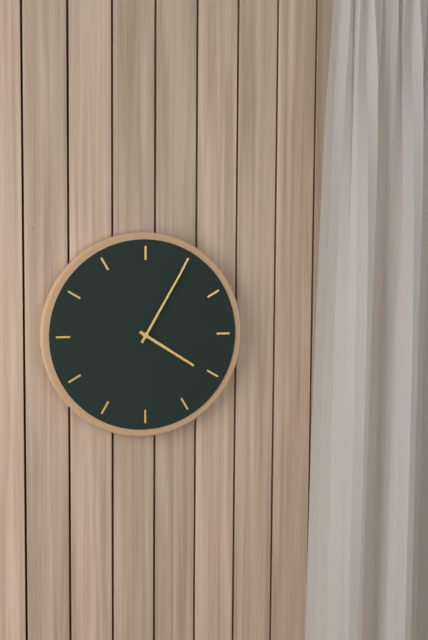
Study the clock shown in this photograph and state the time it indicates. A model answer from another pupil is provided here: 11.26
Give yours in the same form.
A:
4.05
